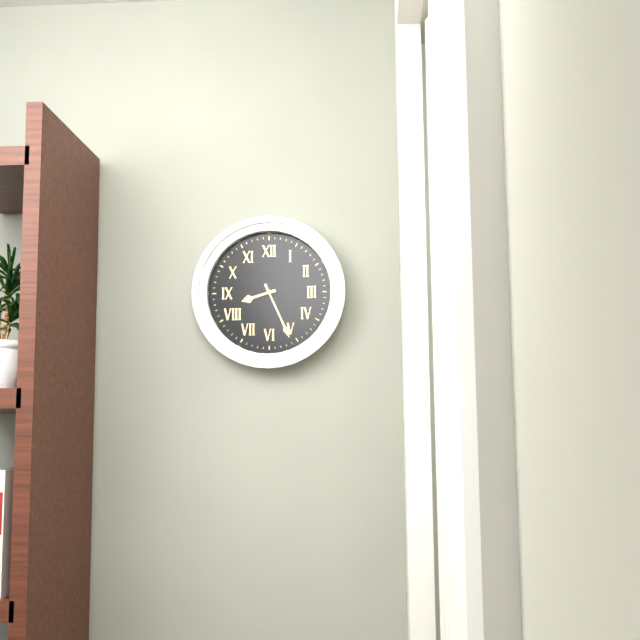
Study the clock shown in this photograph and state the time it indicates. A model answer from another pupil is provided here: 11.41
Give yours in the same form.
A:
8.26
